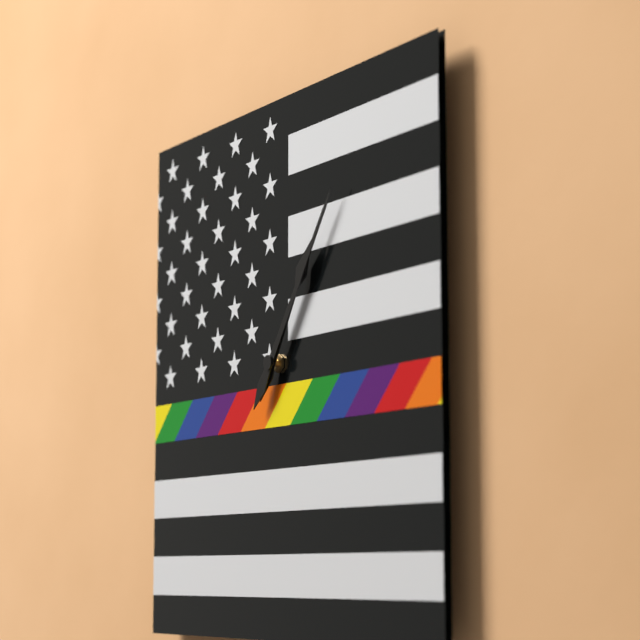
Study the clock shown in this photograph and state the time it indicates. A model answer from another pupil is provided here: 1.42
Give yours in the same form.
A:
1.06
